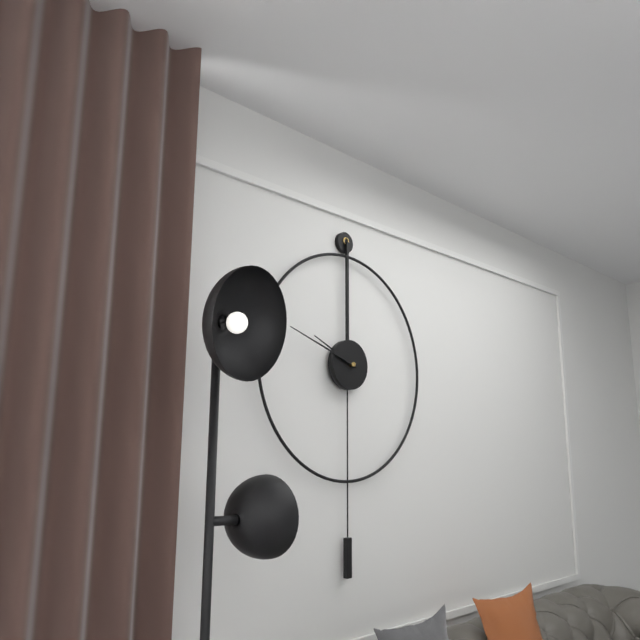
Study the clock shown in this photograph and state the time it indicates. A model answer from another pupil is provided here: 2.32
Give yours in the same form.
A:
9.48
